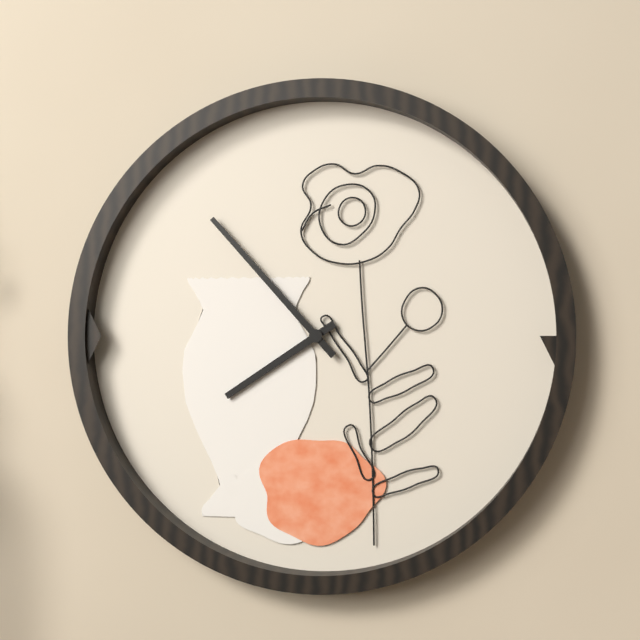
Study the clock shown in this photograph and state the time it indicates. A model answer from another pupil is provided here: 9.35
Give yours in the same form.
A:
7.53
